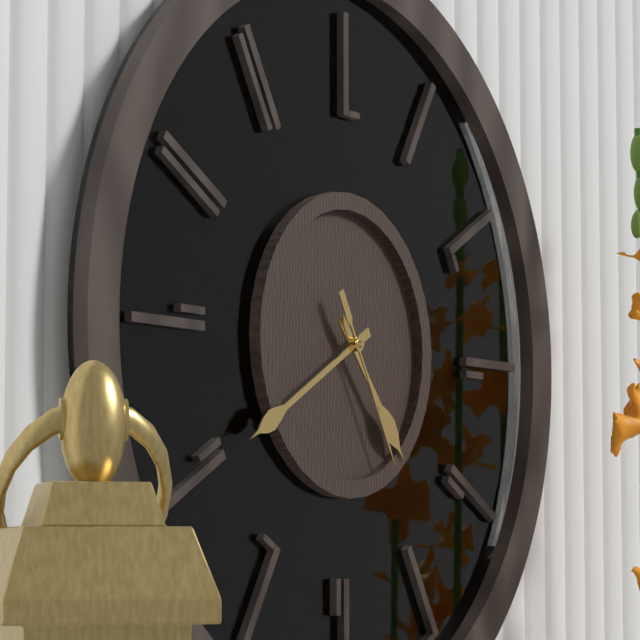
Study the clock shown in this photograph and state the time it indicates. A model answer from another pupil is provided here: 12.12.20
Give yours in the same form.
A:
4.40.25
